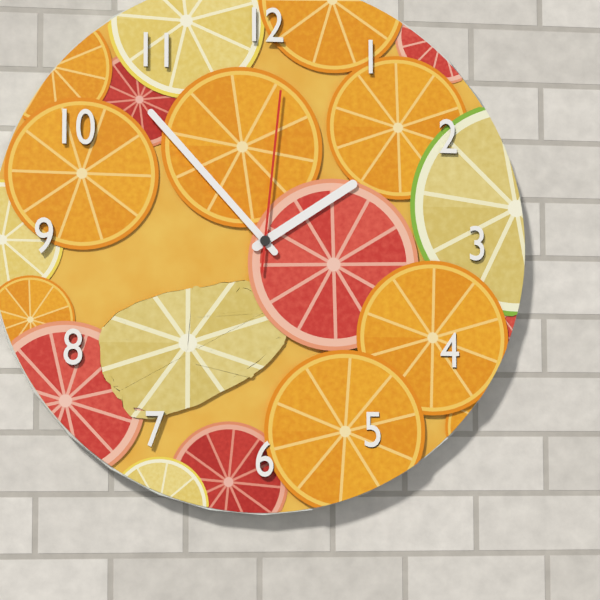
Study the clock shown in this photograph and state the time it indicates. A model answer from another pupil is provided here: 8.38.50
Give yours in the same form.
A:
1.53.01
